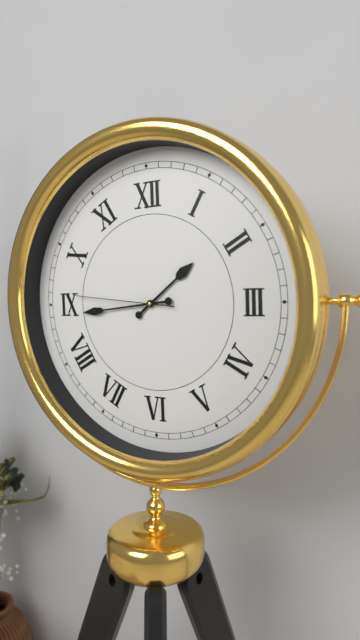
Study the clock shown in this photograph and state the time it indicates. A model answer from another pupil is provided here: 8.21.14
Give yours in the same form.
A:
1.44.46
